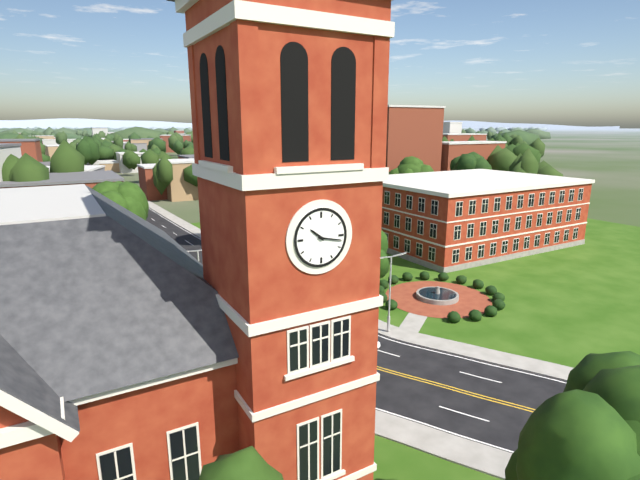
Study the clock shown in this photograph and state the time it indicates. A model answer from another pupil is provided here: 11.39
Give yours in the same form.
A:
10.17
